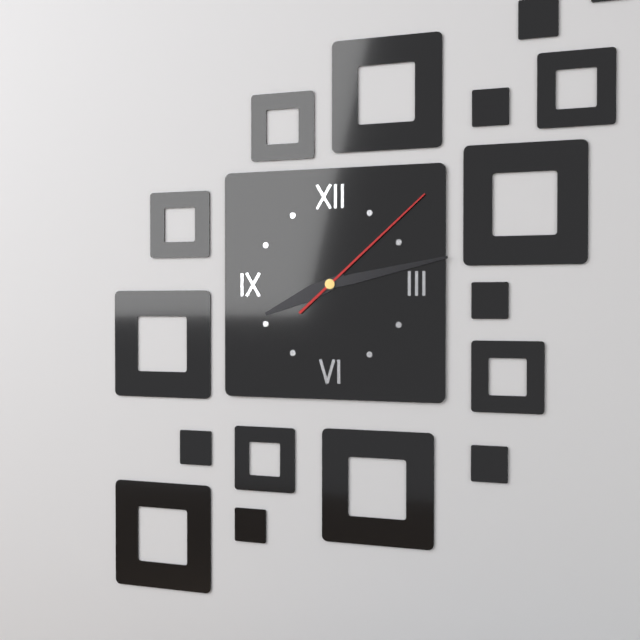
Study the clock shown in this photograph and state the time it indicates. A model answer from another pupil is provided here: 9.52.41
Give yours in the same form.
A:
8.13.08
